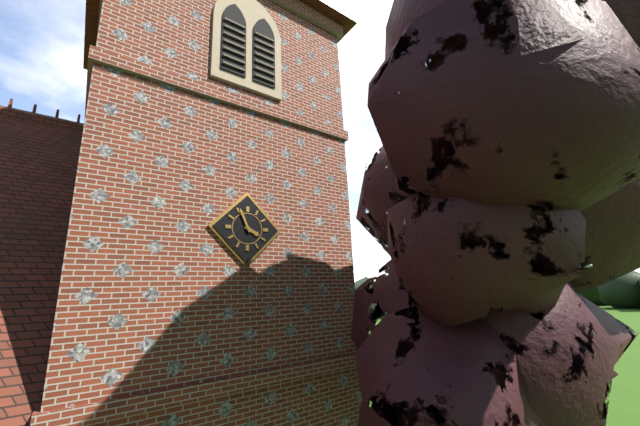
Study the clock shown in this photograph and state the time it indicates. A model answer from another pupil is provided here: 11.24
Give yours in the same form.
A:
3.56
